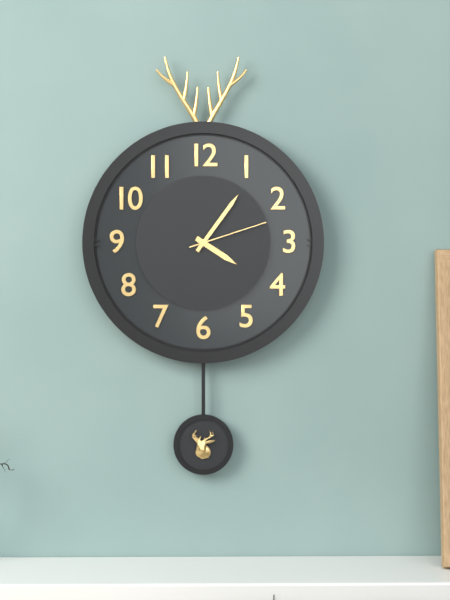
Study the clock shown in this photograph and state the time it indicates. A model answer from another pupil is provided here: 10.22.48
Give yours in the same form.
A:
4.06.12
